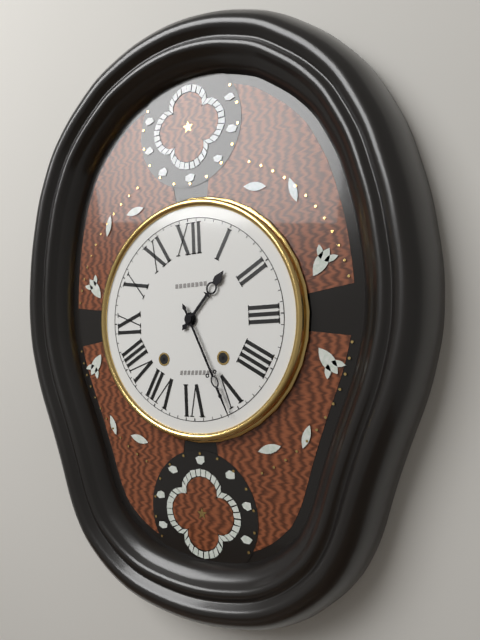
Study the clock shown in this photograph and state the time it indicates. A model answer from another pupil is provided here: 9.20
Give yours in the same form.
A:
1.26
